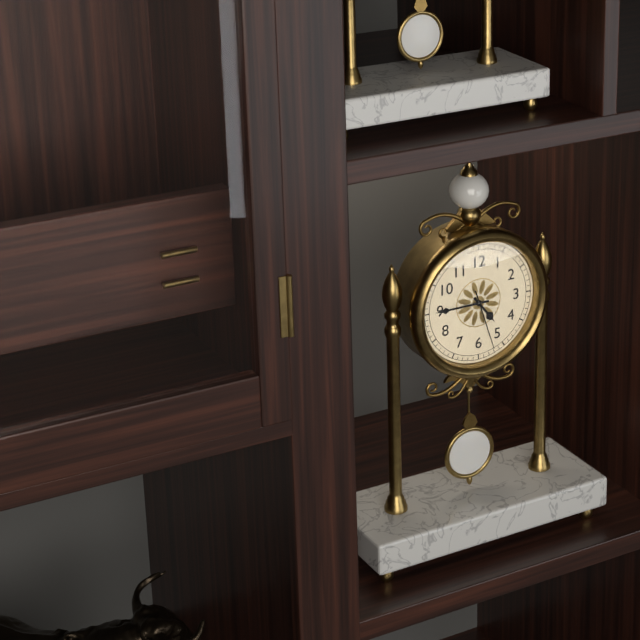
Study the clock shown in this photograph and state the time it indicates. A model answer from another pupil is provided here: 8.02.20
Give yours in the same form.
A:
4.45.27
